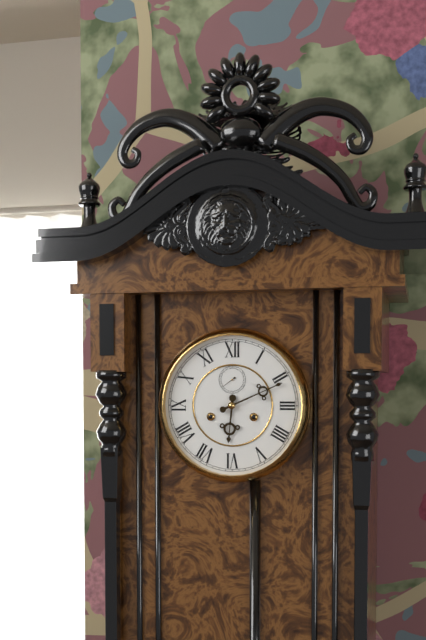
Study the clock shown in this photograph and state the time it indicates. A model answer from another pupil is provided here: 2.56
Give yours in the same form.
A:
6.11
